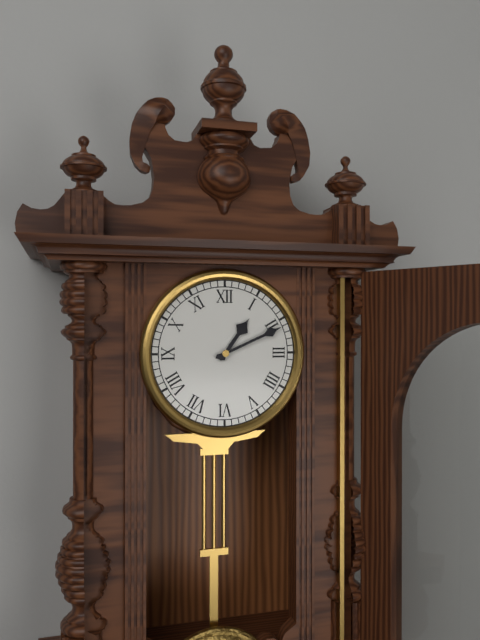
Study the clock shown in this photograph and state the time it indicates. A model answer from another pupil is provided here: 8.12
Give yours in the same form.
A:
1.11
